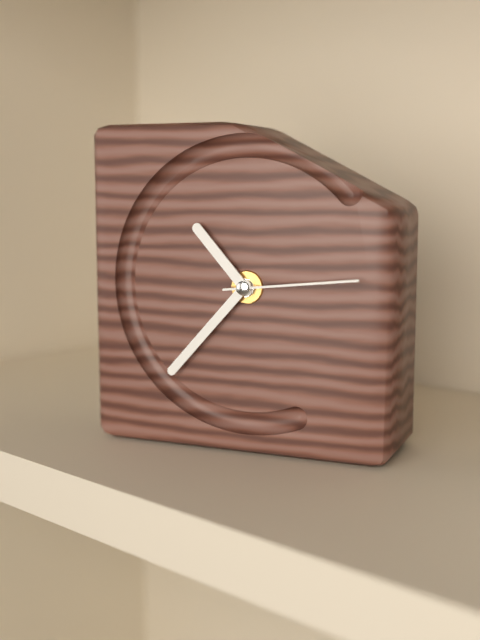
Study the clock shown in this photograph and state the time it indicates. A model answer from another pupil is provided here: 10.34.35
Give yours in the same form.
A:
10.37.14
